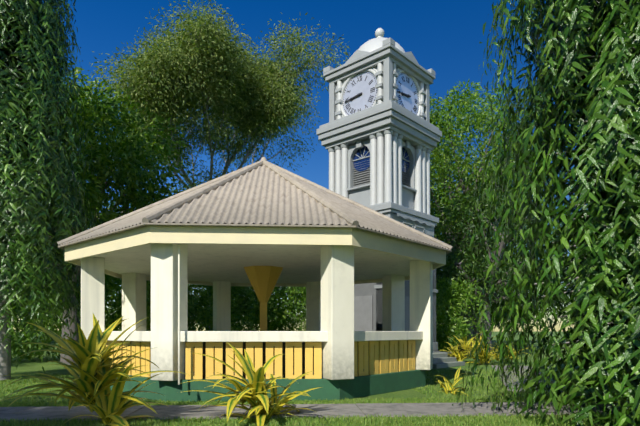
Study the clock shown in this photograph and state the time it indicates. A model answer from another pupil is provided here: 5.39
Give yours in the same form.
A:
8.44
